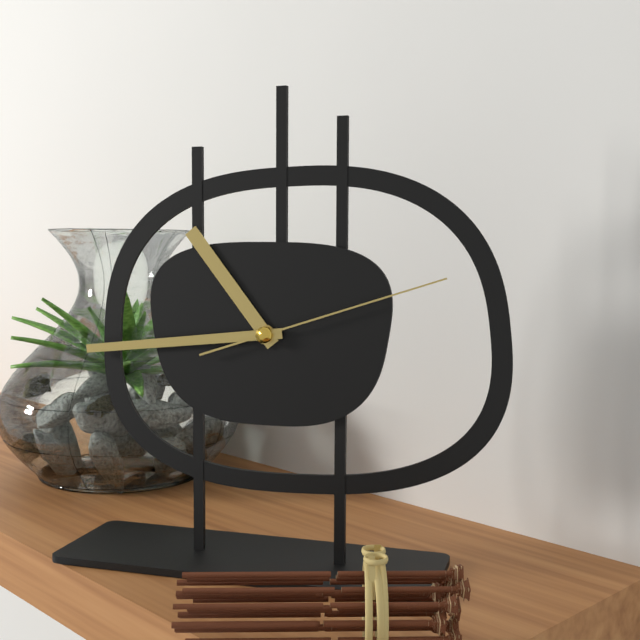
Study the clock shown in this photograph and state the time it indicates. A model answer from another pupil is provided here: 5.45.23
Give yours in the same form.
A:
10.44.12
